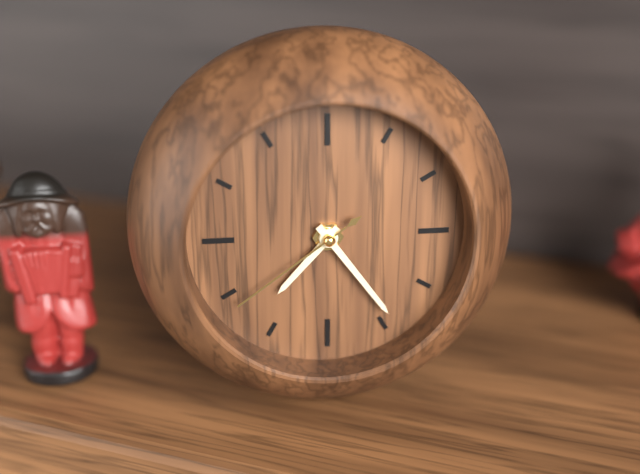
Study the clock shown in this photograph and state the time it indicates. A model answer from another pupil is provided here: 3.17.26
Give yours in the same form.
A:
7.24.39
